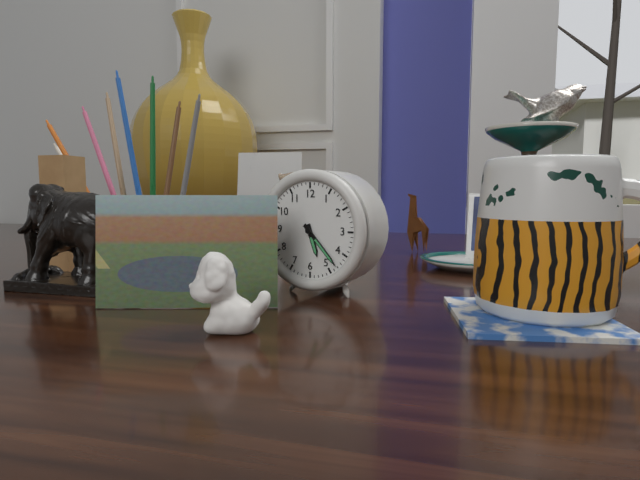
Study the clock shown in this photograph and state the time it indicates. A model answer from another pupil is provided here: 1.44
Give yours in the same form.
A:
5.23
